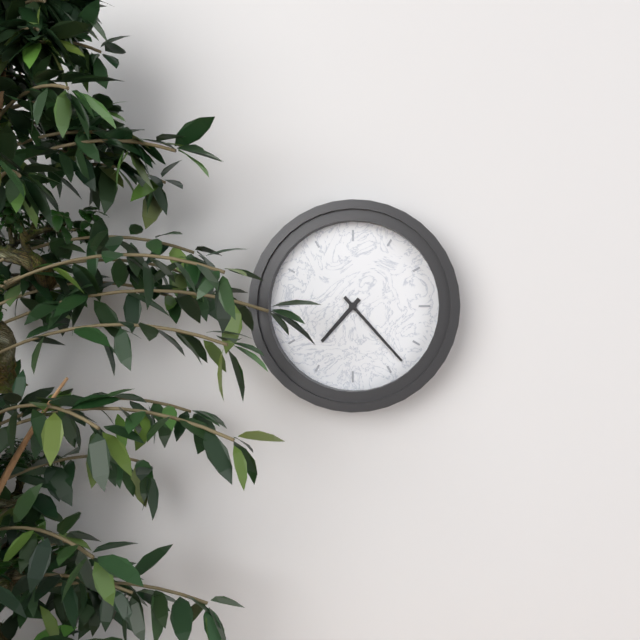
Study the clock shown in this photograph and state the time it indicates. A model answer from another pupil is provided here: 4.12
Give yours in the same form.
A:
7.23
